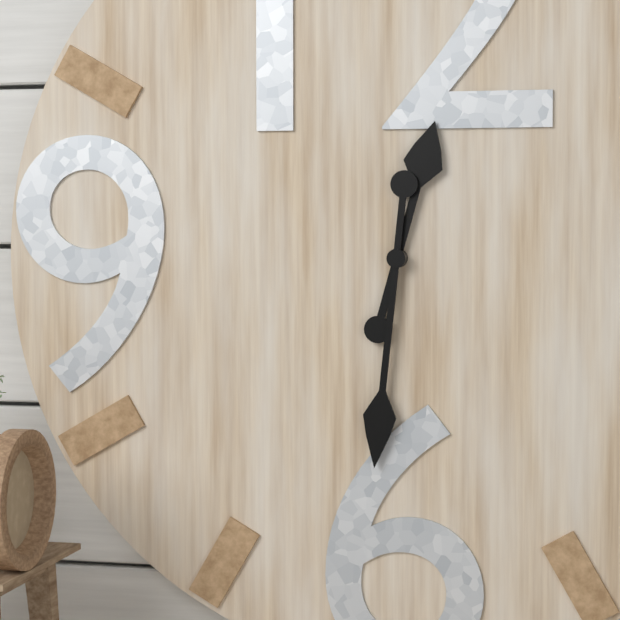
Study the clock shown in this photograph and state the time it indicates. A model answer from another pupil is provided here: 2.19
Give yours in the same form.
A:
12.31
